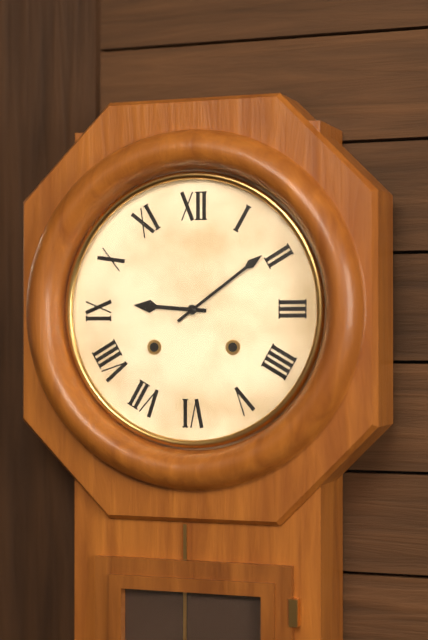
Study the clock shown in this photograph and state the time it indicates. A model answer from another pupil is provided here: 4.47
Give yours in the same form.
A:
9.09
